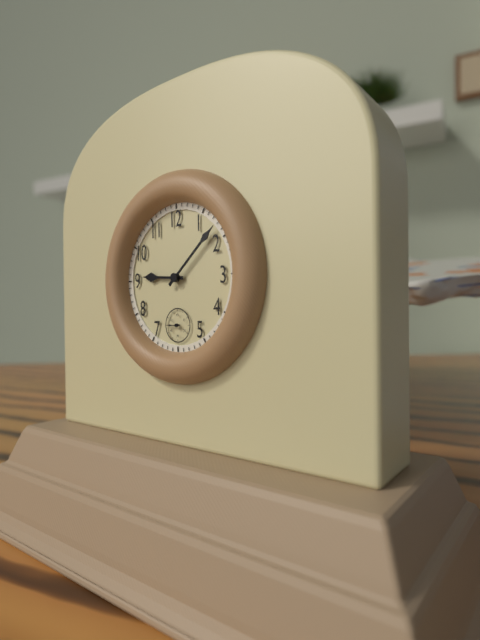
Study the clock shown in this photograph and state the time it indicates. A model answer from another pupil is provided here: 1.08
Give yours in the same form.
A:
9.08
